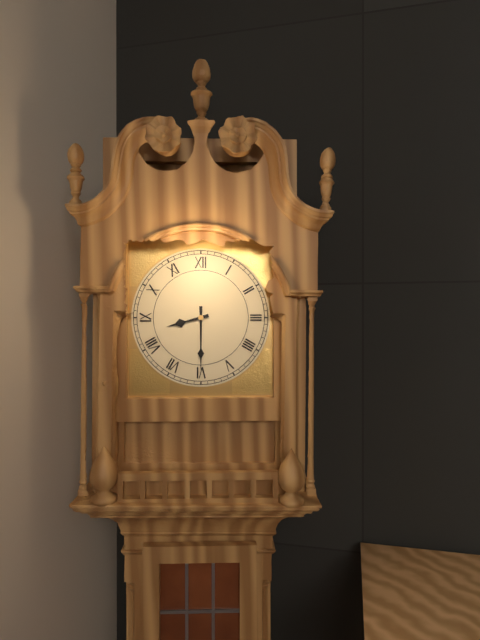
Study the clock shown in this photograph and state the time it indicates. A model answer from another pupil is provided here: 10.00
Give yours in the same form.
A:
8.30
